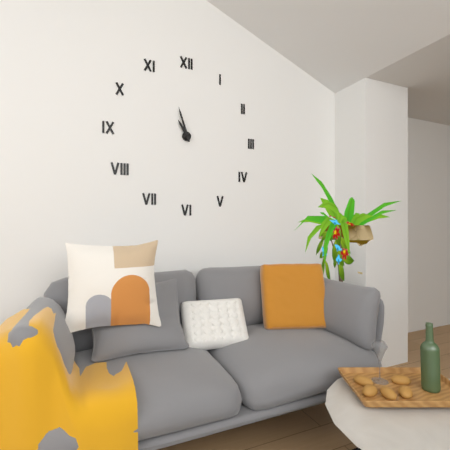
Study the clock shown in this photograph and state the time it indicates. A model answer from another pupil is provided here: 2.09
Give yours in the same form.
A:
10.57
